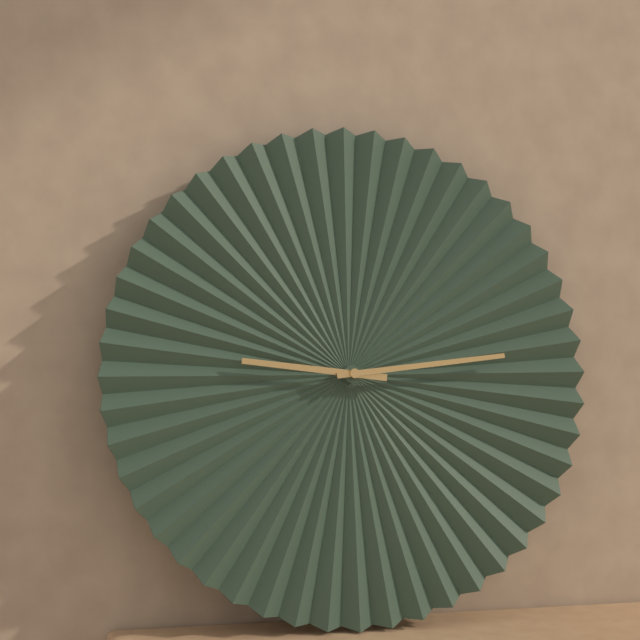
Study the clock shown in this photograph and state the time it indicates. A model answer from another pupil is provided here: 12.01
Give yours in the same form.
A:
9.14
